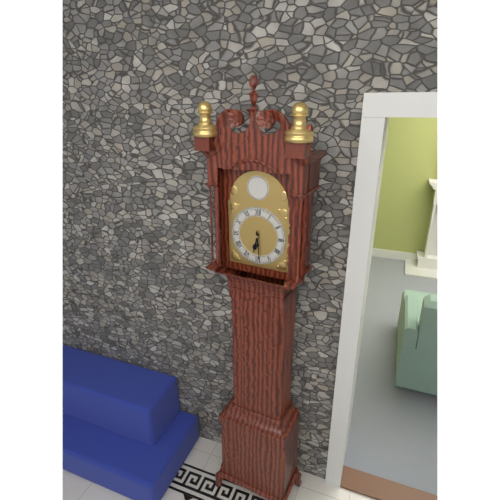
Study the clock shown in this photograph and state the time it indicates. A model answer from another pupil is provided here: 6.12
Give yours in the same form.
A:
6.29
